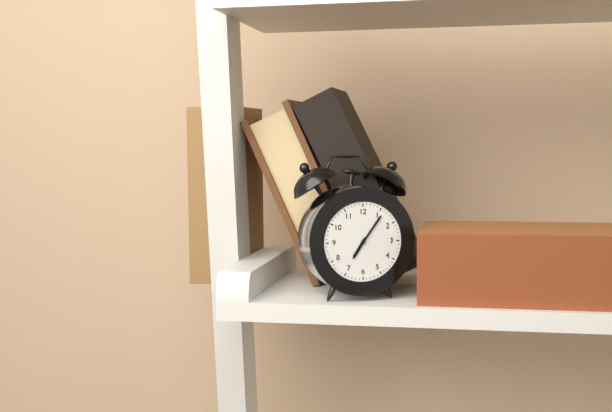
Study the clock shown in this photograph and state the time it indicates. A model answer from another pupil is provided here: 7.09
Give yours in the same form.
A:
7.06
